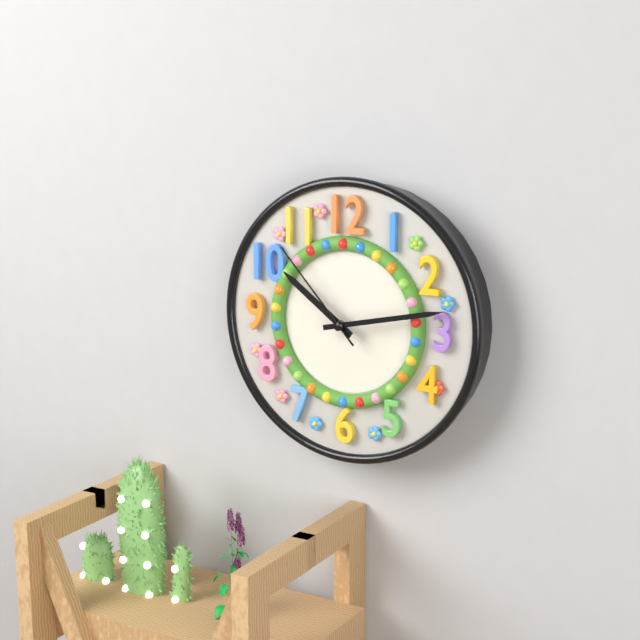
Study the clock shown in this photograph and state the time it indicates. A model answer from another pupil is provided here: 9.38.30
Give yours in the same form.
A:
10.13.53
